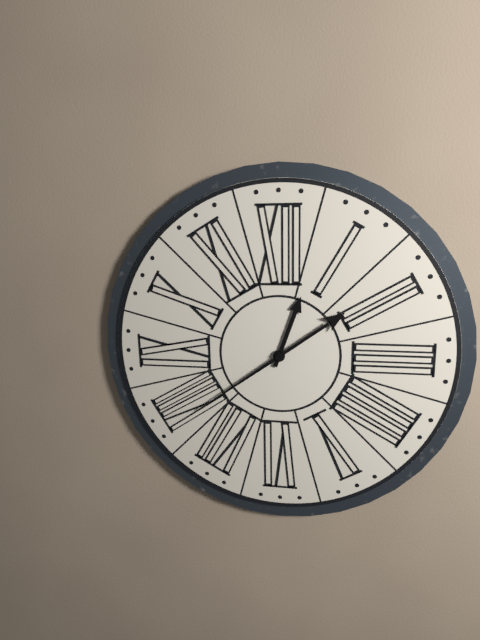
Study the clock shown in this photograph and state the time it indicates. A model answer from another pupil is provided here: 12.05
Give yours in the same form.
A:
12.39
